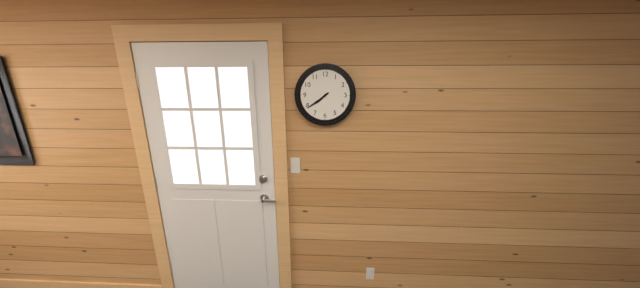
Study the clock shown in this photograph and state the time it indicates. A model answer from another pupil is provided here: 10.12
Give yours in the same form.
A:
7.39
